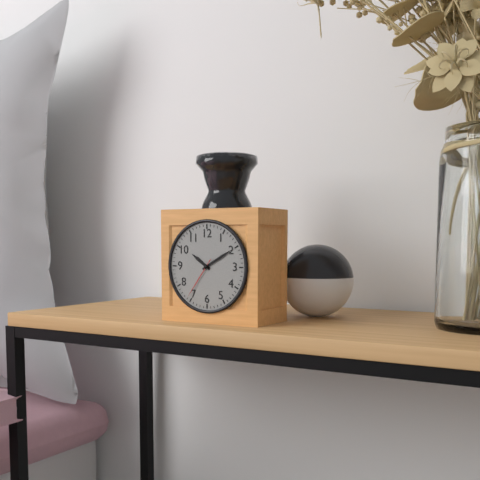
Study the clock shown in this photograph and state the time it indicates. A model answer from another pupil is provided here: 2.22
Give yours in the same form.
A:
10.10
